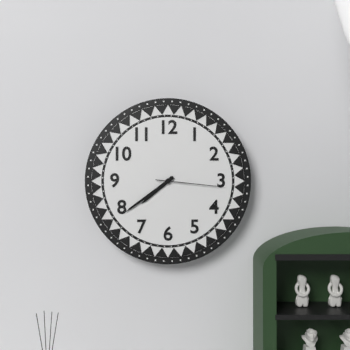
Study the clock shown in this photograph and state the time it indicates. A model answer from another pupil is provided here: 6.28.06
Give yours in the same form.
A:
7.39.16
